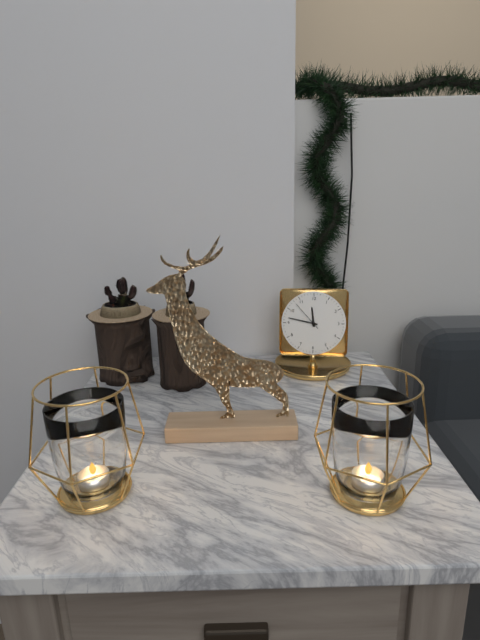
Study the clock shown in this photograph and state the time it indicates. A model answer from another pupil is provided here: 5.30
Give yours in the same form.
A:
11.47
